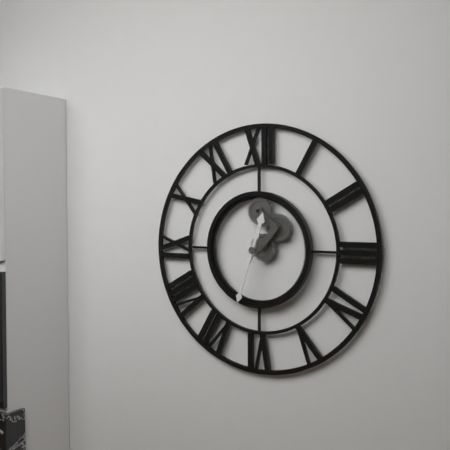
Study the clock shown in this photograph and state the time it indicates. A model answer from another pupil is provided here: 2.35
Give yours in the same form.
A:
12.33
